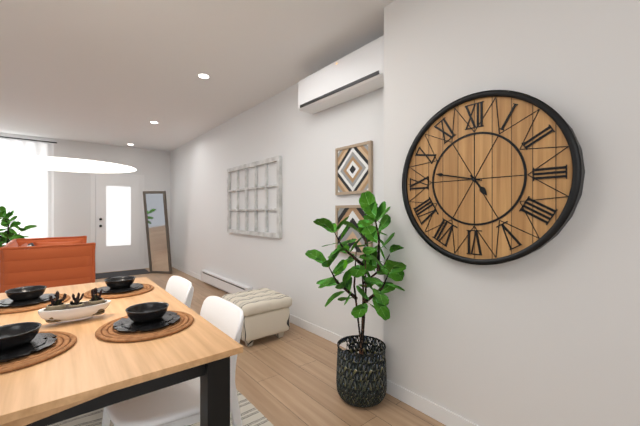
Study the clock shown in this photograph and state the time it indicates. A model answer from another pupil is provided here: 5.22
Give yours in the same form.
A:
4.47
